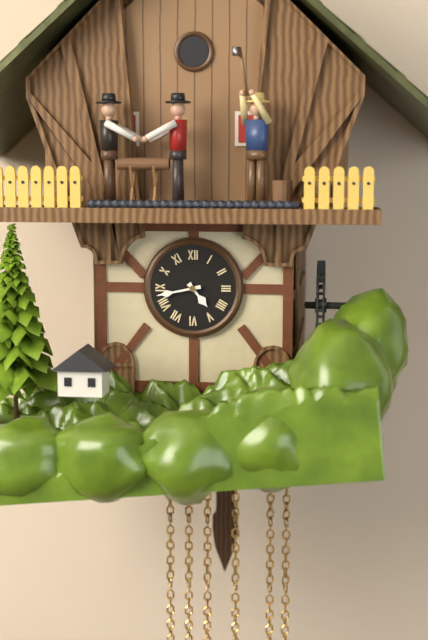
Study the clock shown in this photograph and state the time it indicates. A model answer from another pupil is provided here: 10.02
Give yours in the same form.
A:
4.43
